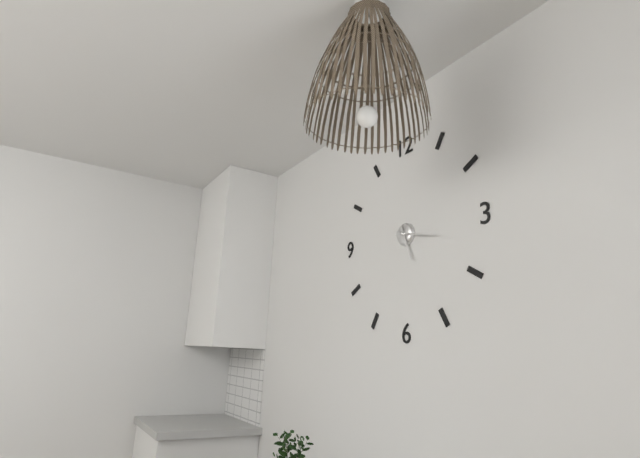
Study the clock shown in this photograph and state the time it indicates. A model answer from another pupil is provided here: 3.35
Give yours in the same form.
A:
5.17
